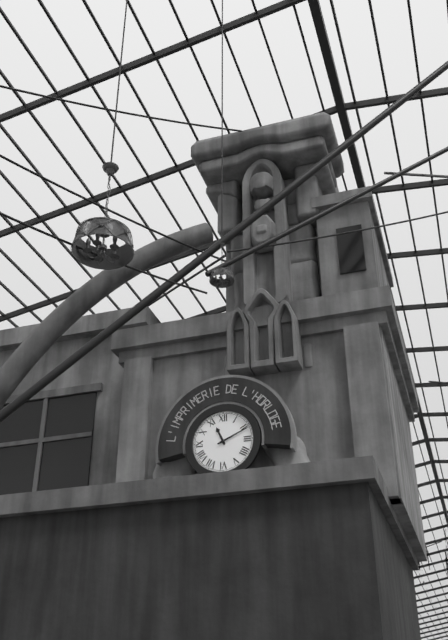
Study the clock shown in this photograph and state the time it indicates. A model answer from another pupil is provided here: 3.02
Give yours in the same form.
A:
11.11
